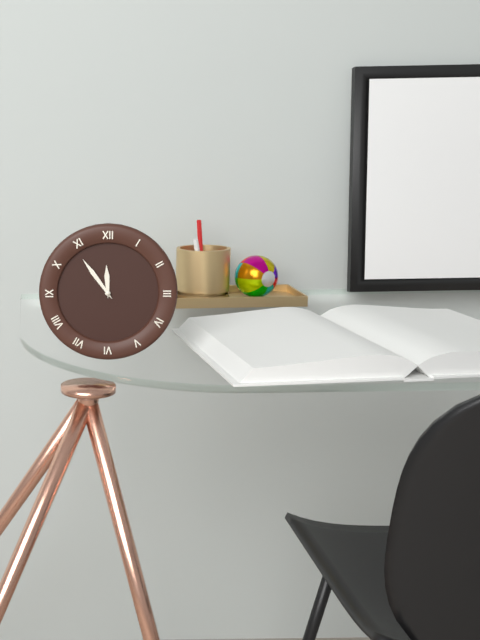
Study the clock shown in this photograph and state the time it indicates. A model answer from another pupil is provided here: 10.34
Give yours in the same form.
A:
11.54
